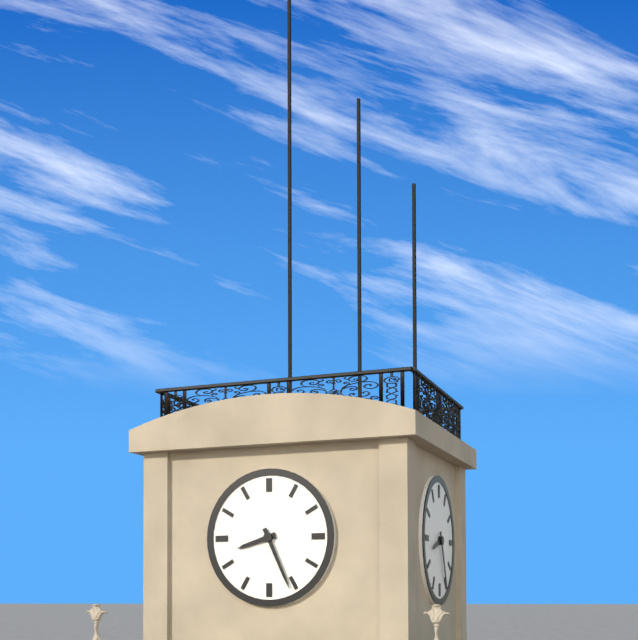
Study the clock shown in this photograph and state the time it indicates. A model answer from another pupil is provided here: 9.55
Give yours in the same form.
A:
8.26
